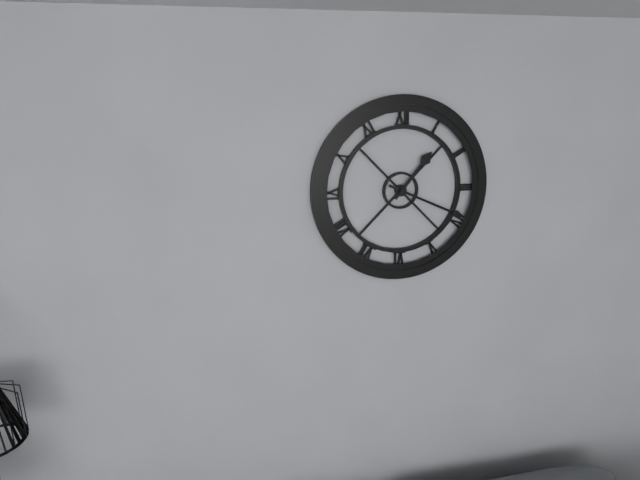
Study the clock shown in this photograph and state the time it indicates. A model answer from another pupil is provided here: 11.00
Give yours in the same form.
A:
1.19
